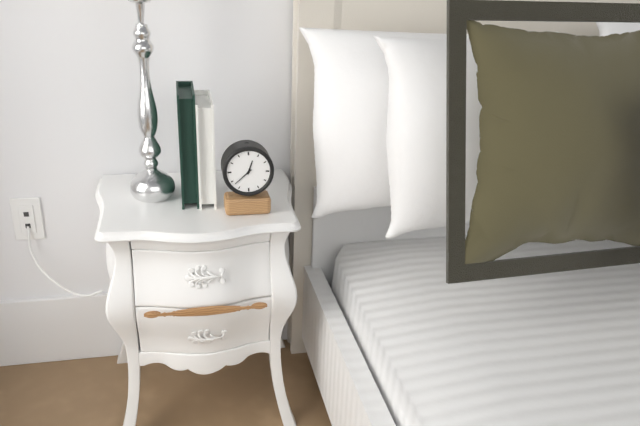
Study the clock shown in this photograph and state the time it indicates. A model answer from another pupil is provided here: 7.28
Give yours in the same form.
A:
12.38
